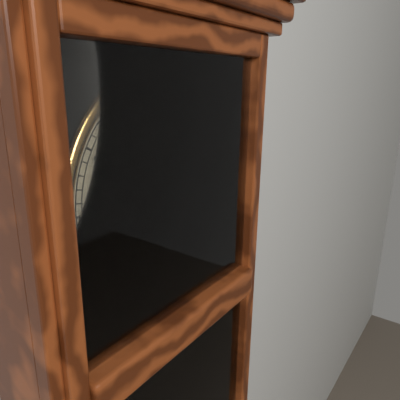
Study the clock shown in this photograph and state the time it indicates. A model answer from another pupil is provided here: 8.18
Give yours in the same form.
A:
7.16
